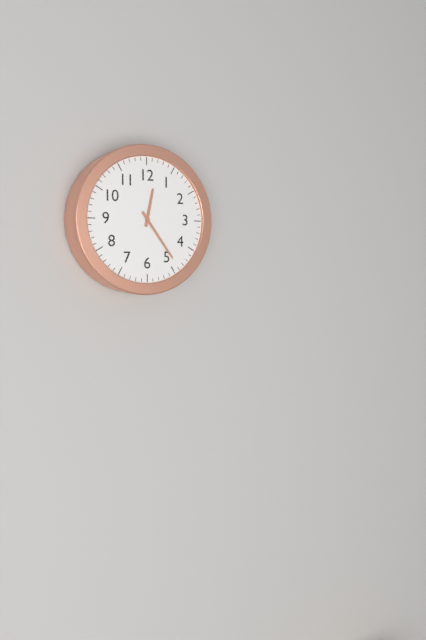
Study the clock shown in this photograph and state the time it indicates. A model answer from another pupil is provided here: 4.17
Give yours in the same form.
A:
12.24
